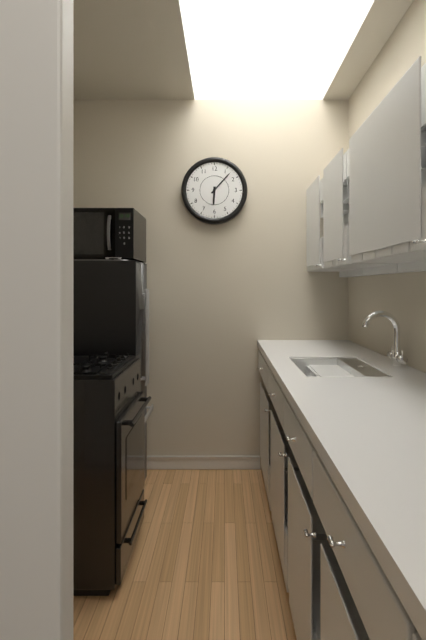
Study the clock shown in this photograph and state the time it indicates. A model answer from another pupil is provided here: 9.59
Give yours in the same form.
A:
6.07
